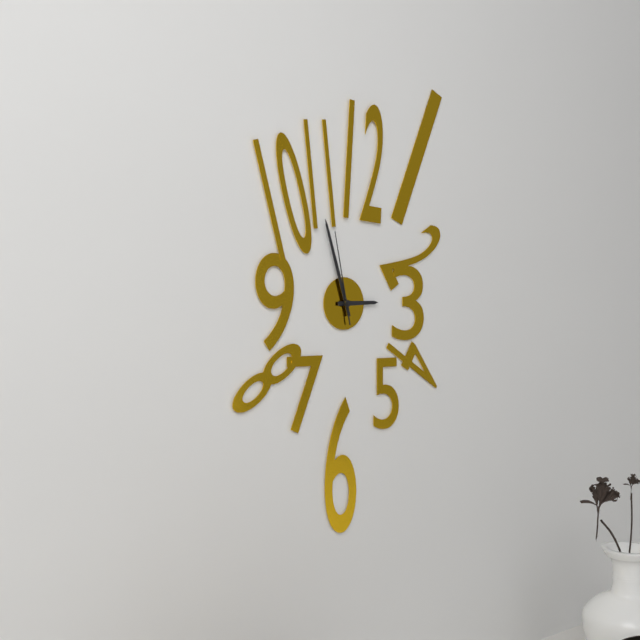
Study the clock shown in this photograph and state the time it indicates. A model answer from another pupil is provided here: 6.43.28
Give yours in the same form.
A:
2.57.58
